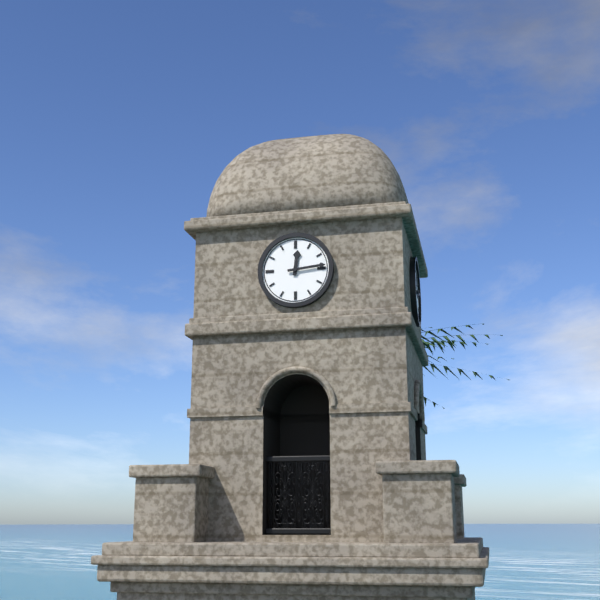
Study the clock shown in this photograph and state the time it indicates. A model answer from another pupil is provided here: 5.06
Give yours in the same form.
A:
12.14
